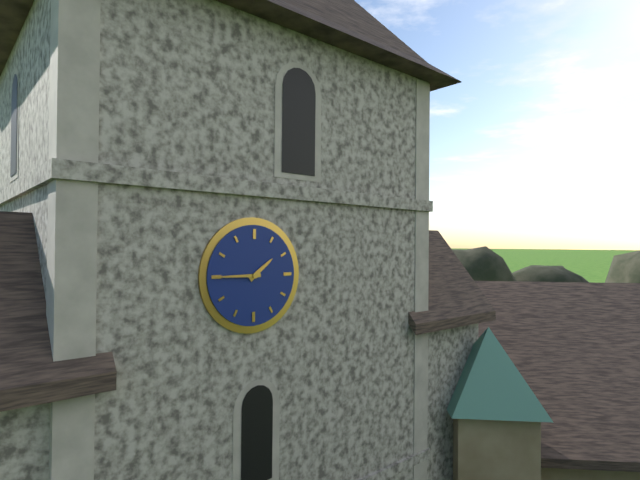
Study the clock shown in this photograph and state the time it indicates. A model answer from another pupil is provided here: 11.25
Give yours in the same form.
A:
1.45
